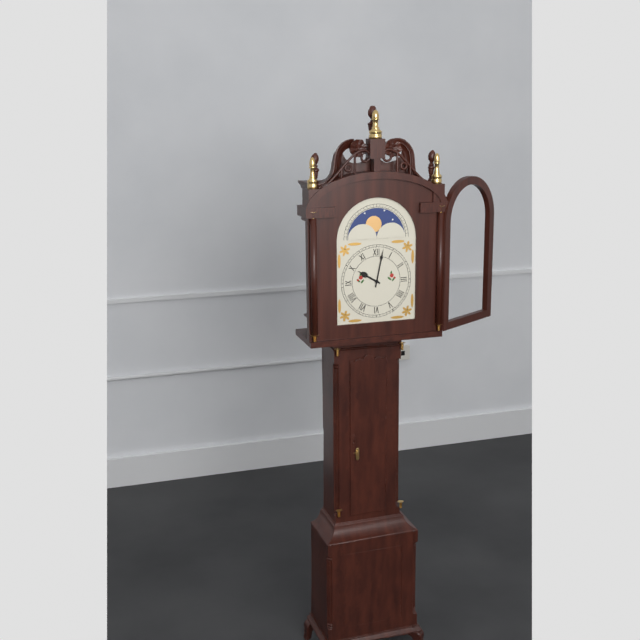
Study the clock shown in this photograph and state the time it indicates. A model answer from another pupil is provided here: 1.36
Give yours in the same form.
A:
10.02
